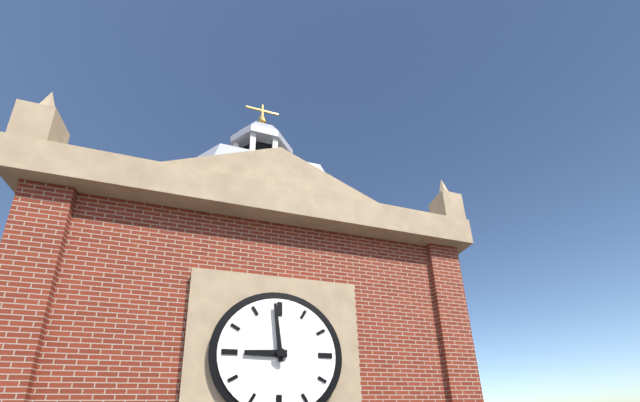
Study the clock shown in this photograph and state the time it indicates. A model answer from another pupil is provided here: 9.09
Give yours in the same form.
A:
8.59
